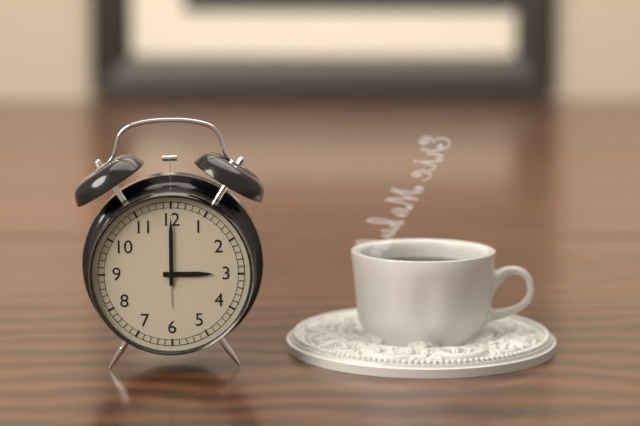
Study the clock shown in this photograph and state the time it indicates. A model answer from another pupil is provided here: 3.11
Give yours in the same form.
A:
3.00
